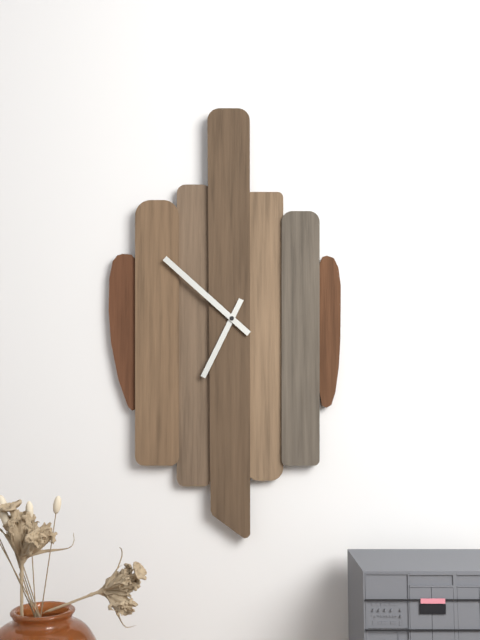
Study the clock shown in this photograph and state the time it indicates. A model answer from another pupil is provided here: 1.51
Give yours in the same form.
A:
6.52
